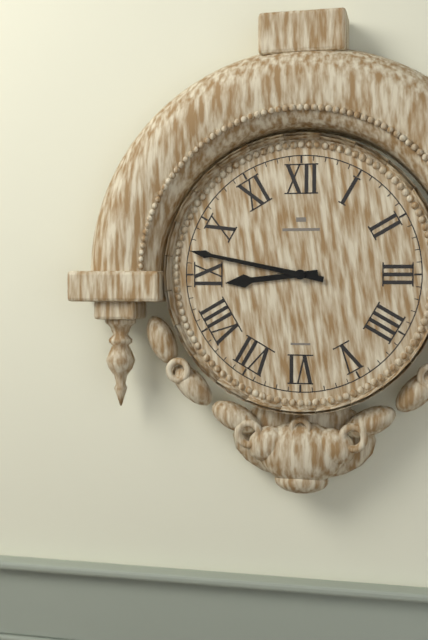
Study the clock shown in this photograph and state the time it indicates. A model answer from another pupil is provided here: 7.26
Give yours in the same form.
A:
8.47
